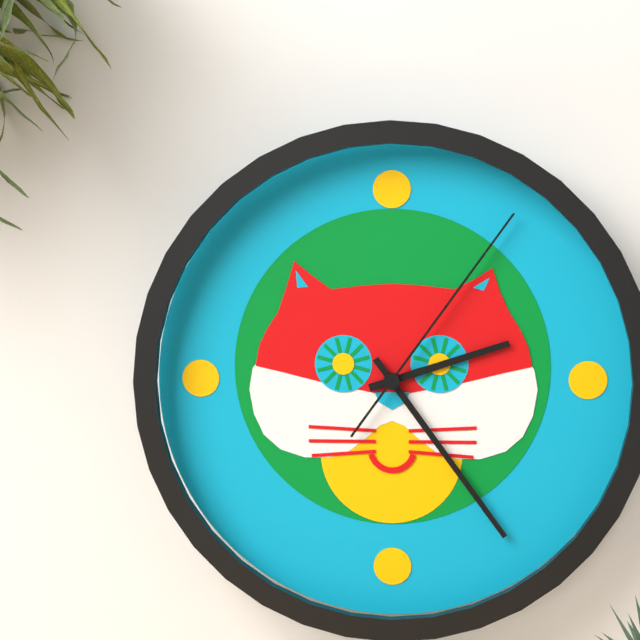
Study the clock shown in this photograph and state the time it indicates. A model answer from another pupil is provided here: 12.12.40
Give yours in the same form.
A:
2.24.06
